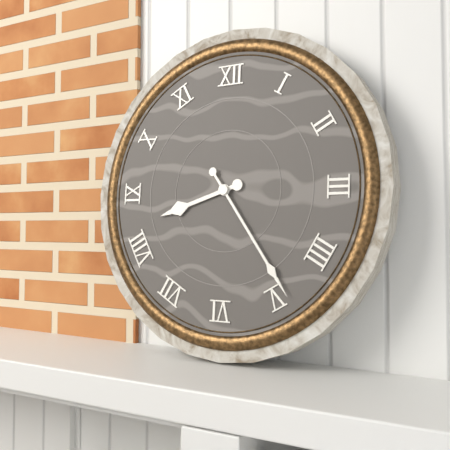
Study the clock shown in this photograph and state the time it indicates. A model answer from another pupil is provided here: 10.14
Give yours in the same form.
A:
8.24
